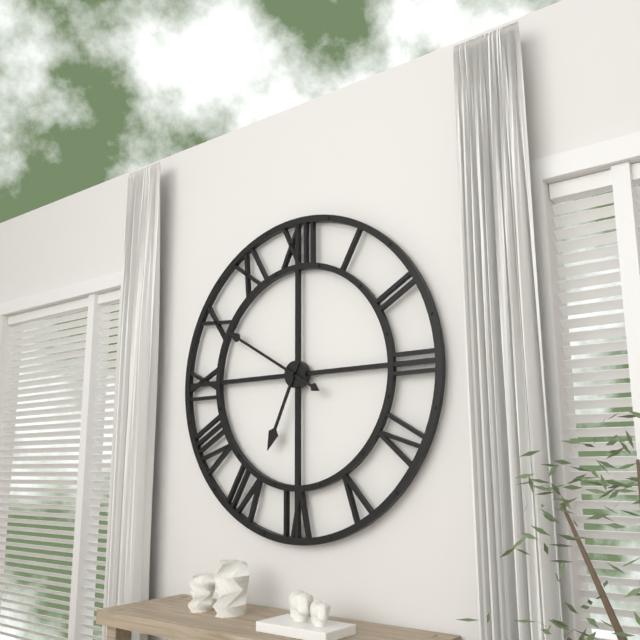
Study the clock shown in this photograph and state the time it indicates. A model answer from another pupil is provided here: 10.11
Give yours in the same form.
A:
6.50
